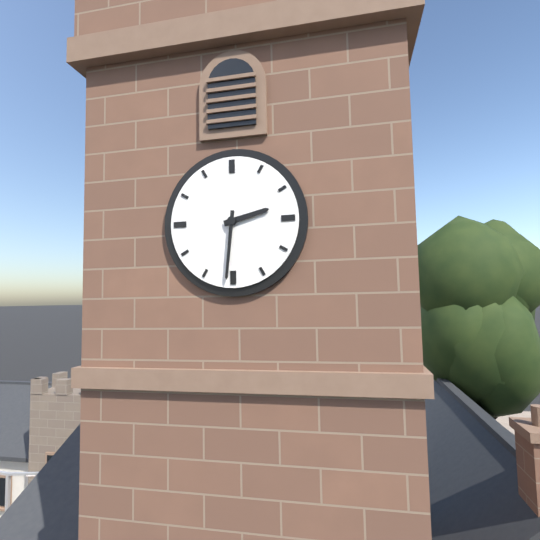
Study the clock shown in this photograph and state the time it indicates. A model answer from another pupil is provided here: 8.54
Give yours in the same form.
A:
2.31
